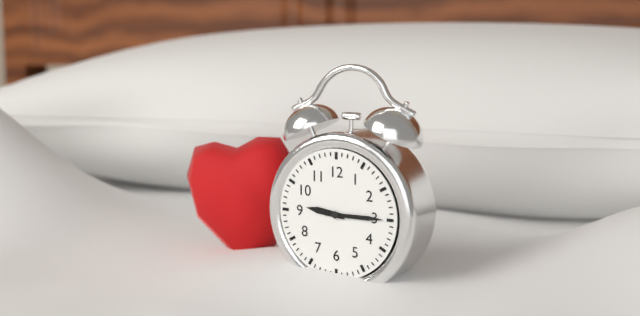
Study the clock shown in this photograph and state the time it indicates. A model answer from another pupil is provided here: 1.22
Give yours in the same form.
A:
9.15
